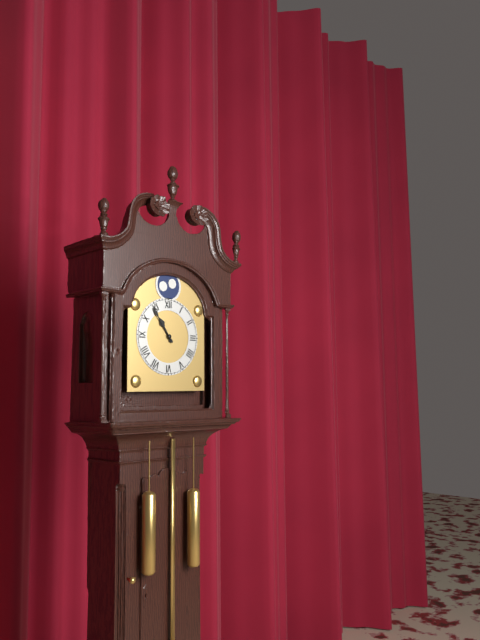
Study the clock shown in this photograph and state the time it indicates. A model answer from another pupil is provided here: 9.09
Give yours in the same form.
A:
10.54
